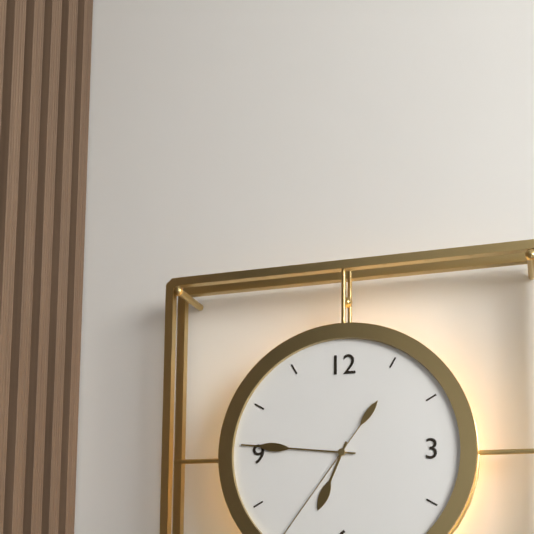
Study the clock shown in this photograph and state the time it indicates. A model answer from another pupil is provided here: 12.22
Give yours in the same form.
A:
6.46
